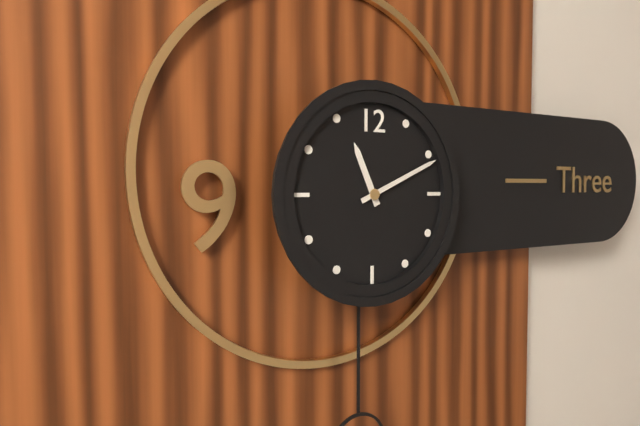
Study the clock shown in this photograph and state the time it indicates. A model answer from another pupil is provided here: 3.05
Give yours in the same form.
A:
11.11
